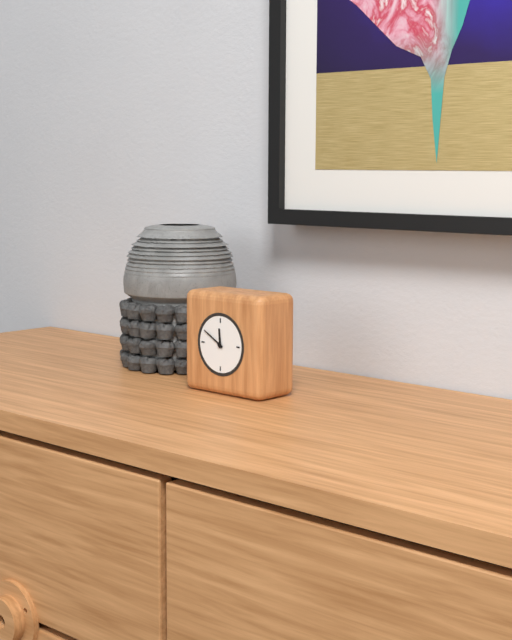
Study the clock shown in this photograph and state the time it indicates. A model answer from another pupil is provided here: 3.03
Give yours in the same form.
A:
11.50
